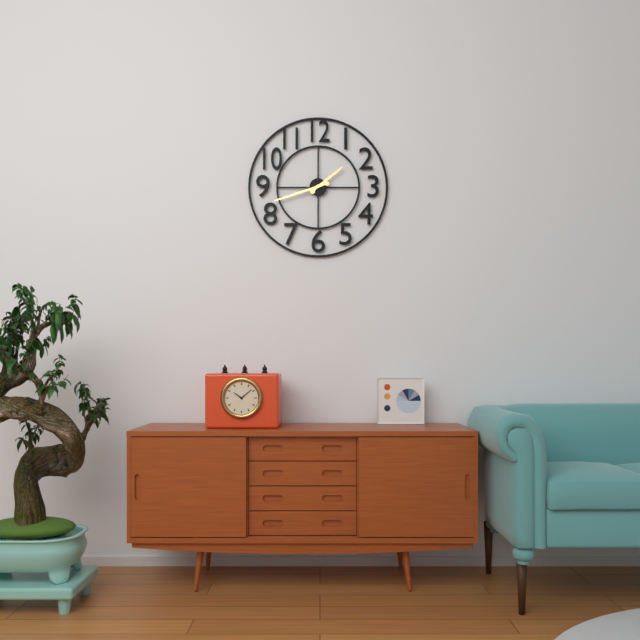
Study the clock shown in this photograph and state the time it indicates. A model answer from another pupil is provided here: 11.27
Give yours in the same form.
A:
1.42
